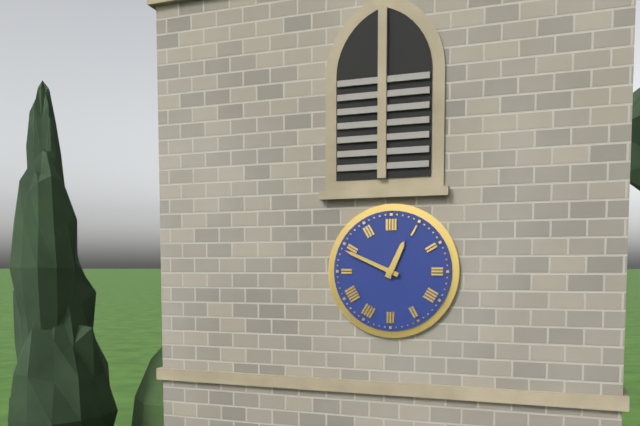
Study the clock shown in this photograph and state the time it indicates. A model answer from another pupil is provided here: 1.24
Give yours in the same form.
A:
12.49
